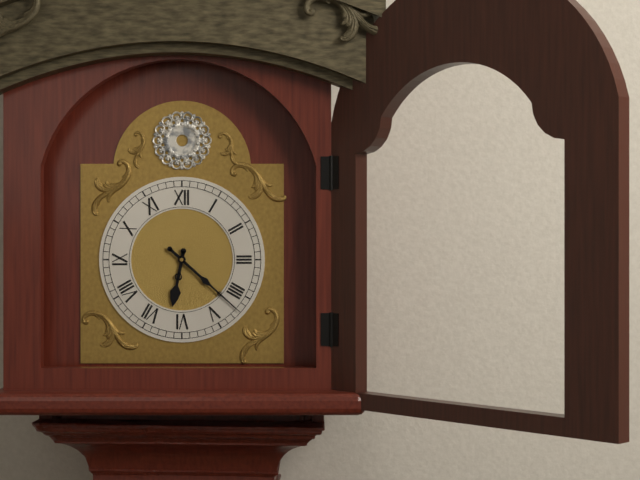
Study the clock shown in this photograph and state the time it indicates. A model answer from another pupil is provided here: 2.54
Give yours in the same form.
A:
6.22
